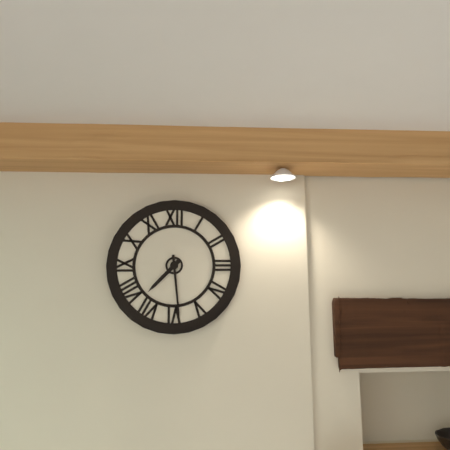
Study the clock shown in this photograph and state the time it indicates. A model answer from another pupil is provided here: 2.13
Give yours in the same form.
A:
7.29
